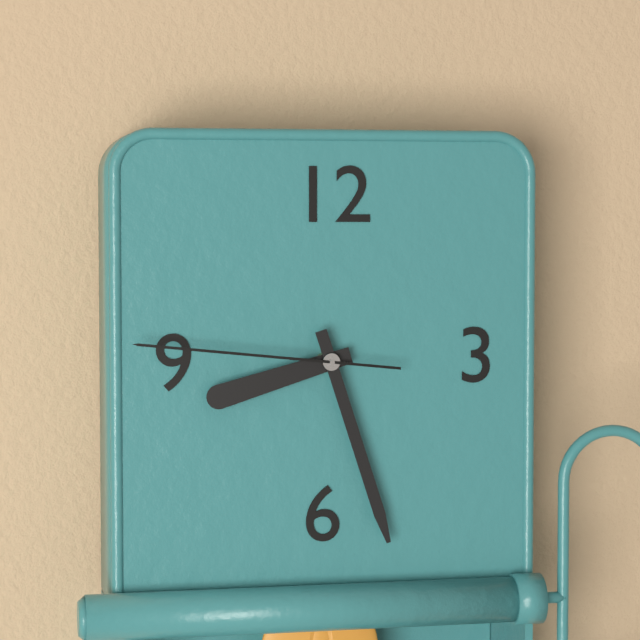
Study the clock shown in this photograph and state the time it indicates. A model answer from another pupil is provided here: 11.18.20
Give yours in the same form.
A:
8.27.46
